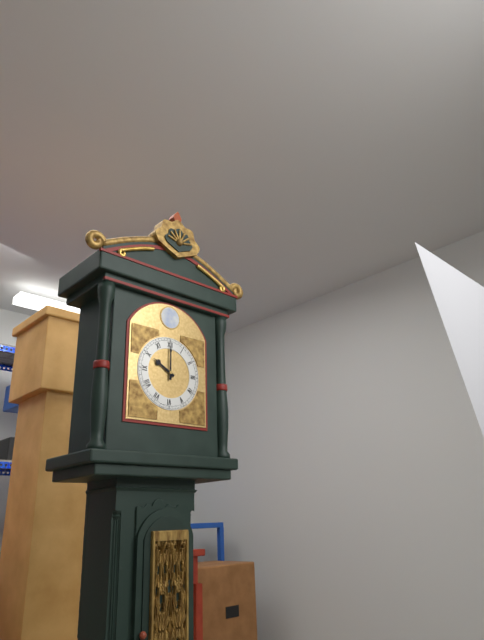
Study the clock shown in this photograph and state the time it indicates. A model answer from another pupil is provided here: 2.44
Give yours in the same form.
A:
10.00
